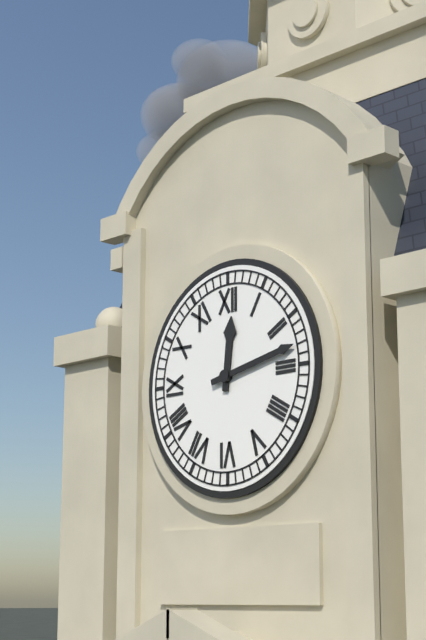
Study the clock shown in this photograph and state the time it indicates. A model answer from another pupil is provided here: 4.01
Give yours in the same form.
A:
12.13
